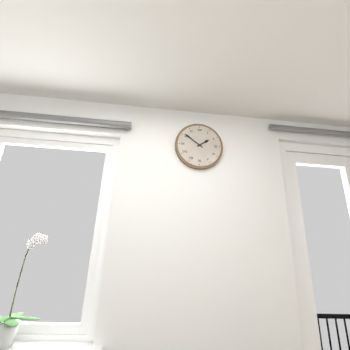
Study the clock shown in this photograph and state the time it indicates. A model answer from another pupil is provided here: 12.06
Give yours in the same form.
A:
1.51
